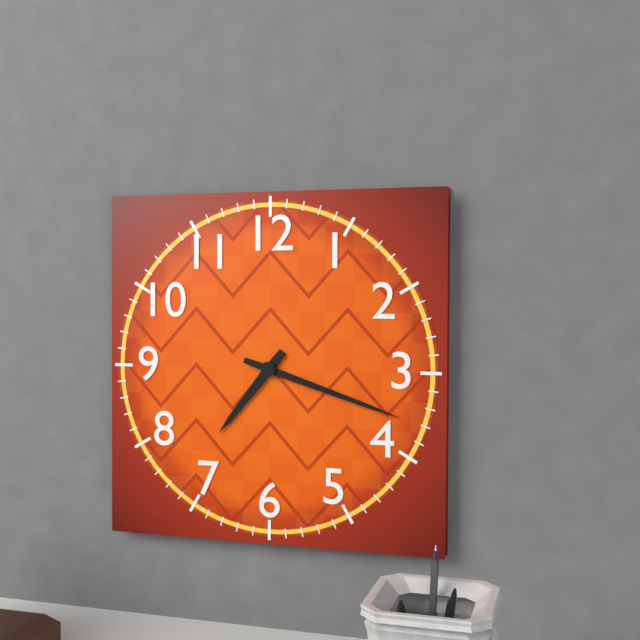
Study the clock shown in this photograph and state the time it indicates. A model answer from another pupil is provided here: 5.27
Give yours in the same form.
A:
7.18
